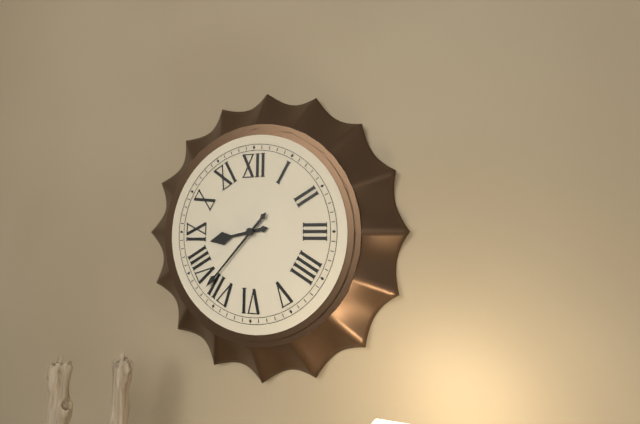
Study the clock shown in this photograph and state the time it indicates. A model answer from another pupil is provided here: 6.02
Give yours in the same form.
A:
8.37
